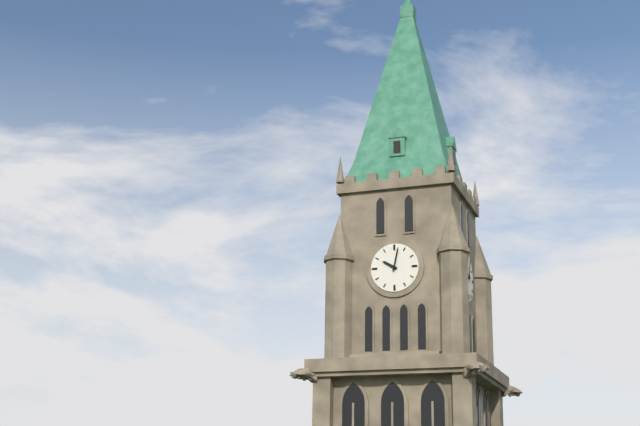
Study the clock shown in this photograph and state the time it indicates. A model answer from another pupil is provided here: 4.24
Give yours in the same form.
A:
10.02
